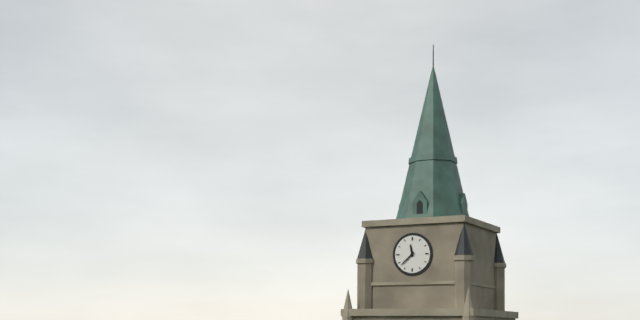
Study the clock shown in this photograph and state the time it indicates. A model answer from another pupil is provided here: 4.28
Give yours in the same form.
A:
11.38
